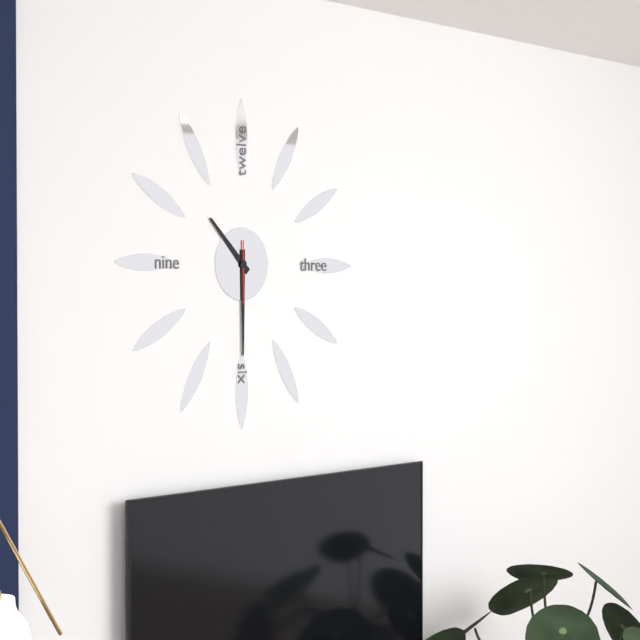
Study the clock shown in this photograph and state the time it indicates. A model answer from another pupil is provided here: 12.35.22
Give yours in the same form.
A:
10.30.30
